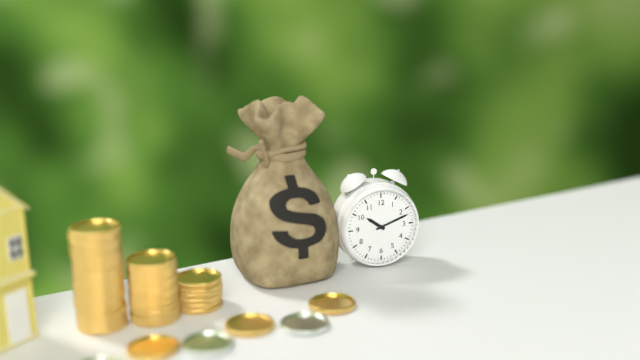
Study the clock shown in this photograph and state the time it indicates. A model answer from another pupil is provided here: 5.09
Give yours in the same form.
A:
10.12
